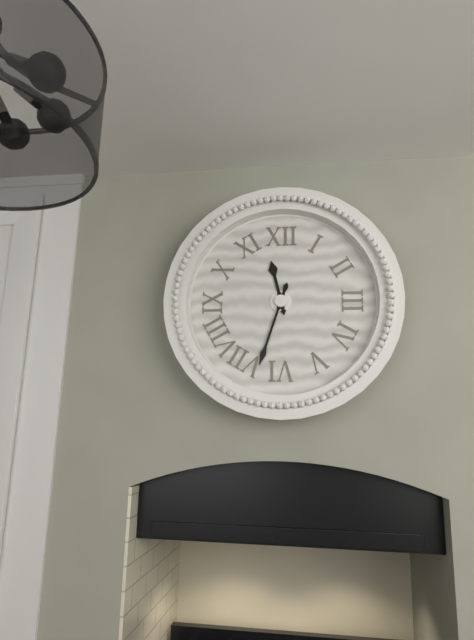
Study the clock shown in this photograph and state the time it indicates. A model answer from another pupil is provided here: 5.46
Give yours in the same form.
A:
11.33
